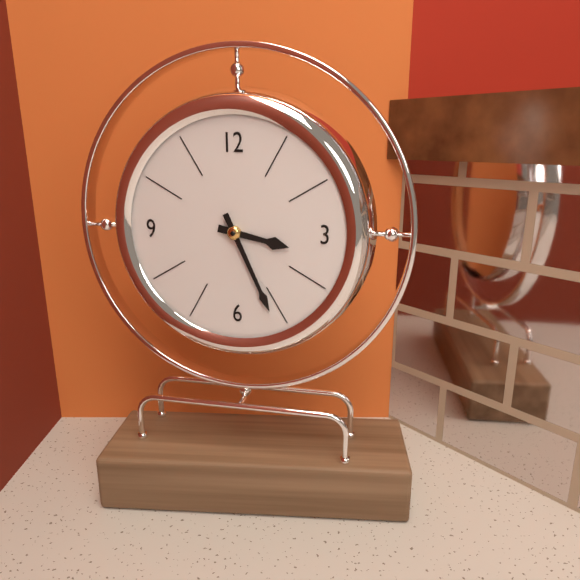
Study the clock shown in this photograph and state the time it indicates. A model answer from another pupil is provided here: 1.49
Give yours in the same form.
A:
3.26
